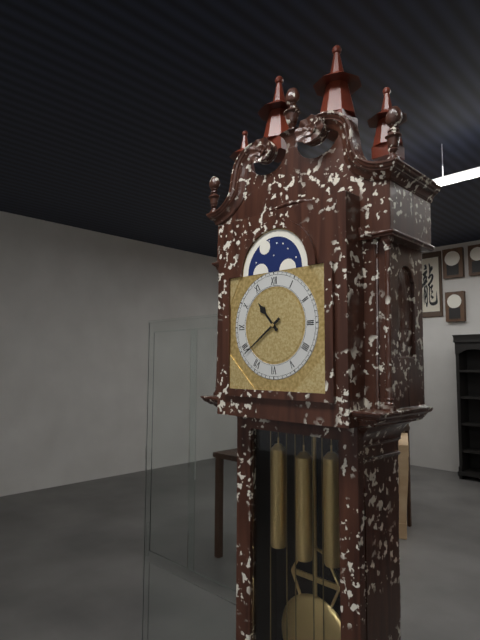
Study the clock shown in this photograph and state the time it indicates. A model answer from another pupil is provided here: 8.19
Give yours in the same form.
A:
10.39
